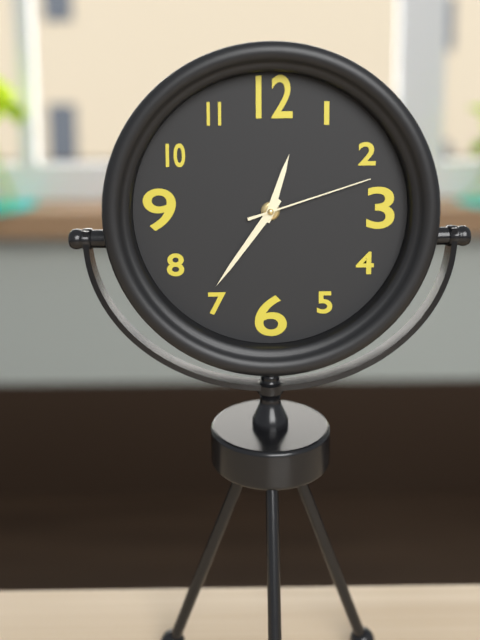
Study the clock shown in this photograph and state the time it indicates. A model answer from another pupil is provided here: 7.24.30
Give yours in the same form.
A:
12.36.12
